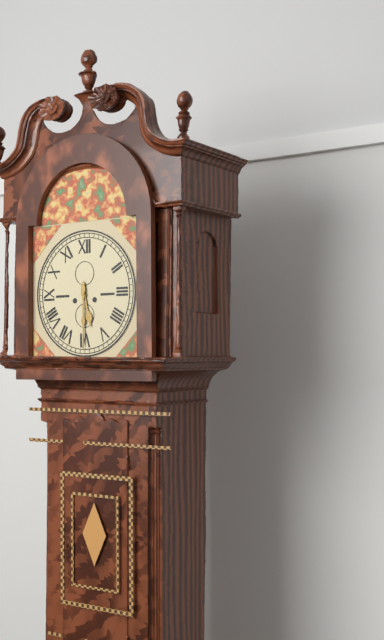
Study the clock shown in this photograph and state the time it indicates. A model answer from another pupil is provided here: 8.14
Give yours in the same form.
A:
5.30
